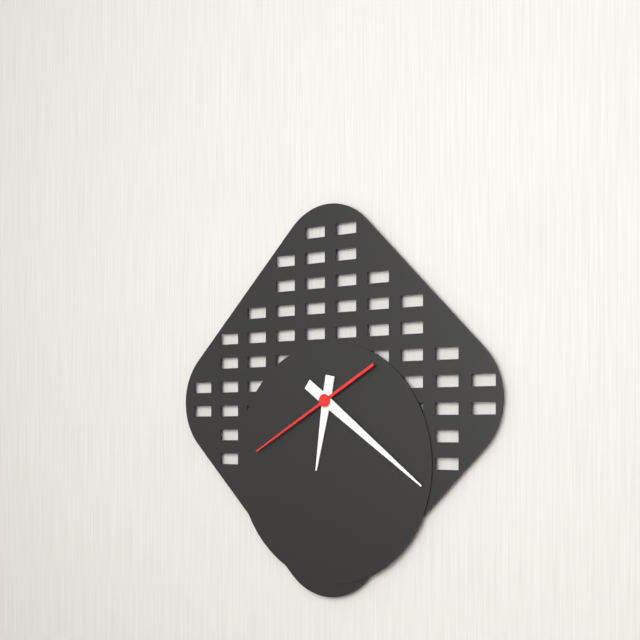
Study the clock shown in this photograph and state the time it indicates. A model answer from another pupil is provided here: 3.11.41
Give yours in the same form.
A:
6.21.40
